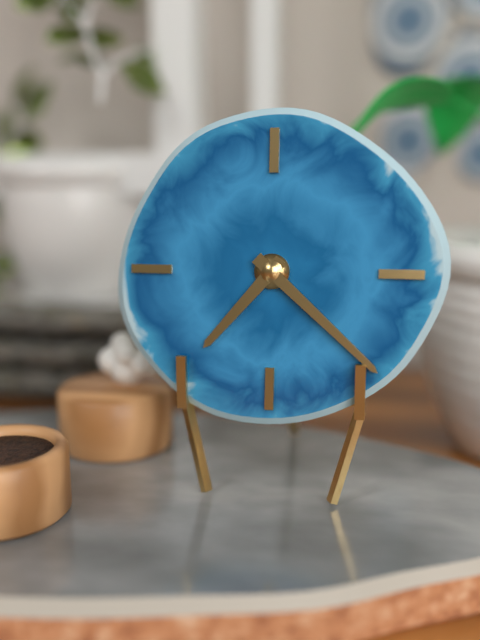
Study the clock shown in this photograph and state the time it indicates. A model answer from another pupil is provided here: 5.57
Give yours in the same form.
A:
7.22
